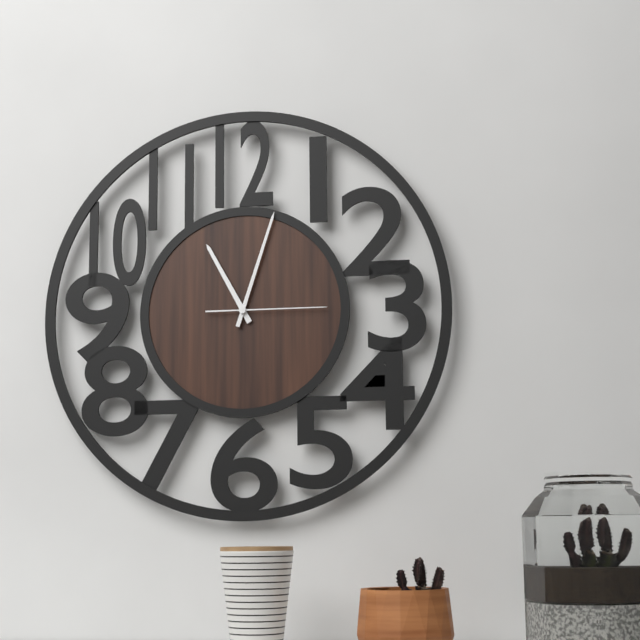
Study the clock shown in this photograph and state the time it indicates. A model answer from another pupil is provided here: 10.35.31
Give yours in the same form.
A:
11.03.15
